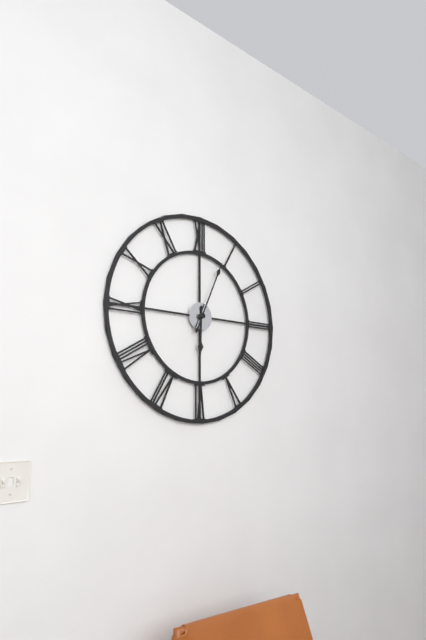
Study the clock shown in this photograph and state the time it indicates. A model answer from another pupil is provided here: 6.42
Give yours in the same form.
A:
6.04
